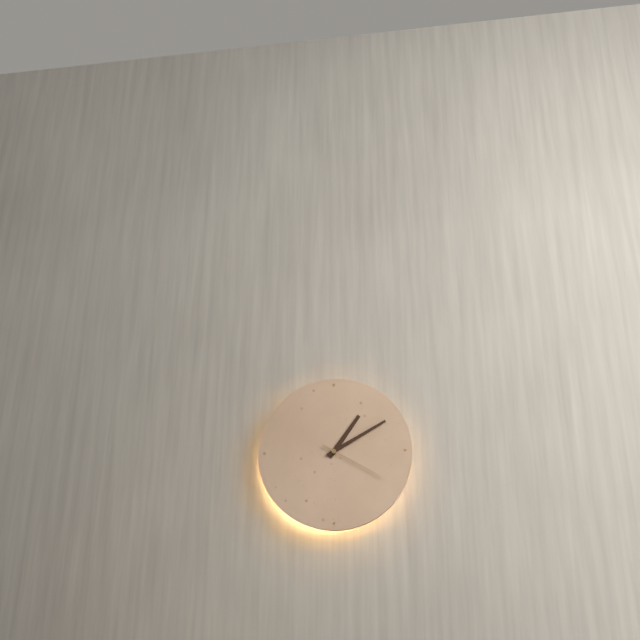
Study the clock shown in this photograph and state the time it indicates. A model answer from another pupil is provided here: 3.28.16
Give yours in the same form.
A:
1.10.20
